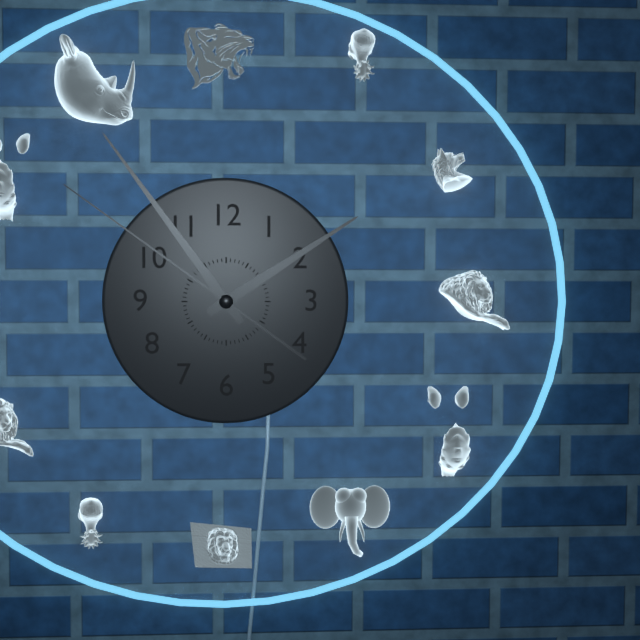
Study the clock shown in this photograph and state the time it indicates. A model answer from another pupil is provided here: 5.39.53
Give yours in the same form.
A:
1.54.51
